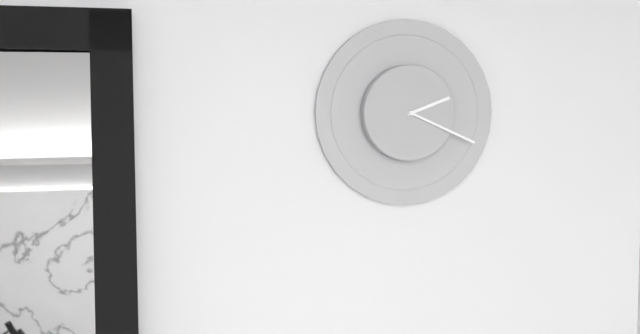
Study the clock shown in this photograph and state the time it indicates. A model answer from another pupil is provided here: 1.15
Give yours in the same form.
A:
2.19
